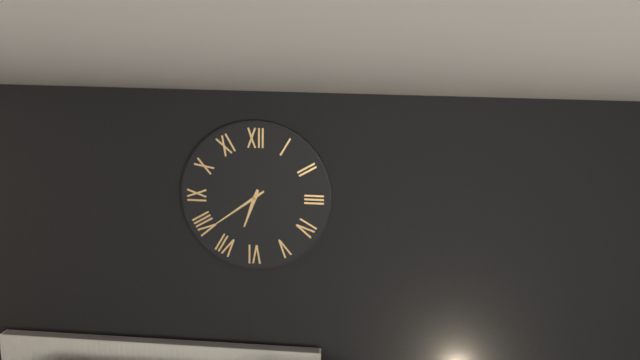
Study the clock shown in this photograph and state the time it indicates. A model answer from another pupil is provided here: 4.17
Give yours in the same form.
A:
6.39
